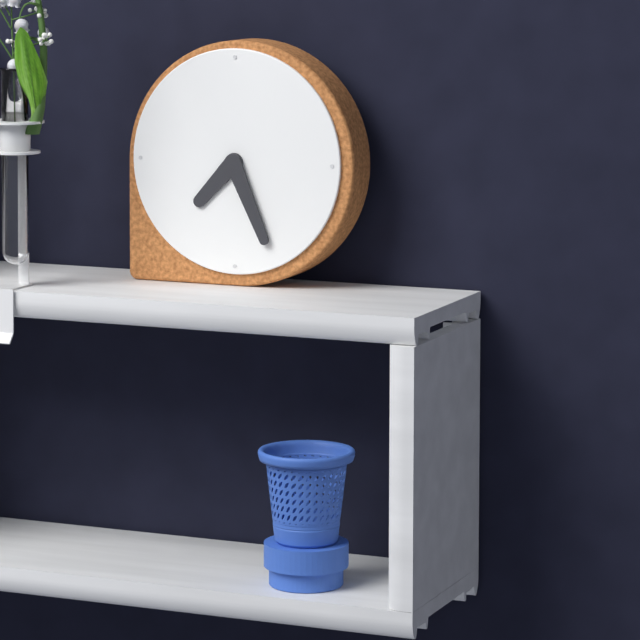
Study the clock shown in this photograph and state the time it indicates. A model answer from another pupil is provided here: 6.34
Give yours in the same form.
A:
7.26
